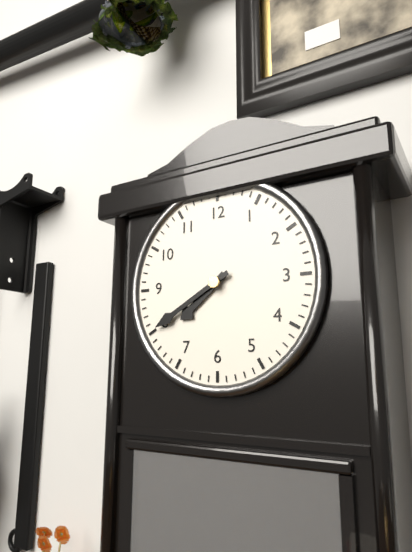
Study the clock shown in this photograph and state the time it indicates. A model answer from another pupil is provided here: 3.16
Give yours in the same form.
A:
7.40
